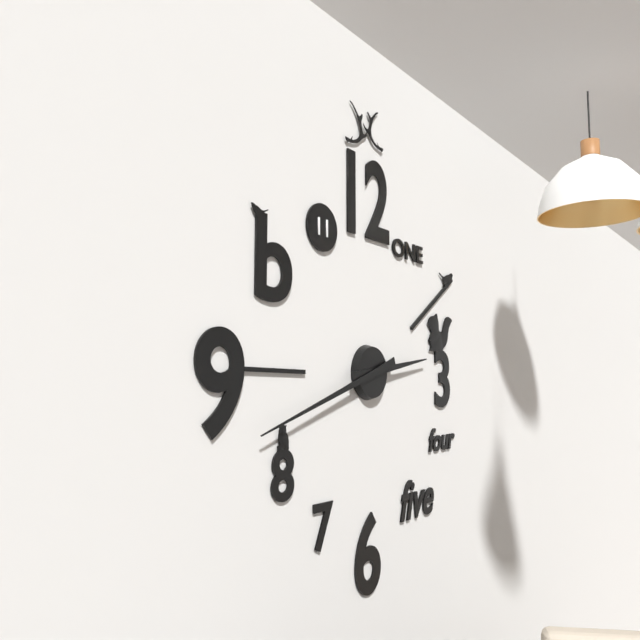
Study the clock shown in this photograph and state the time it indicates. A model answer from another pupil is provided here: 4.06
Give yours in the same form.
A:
2.42
